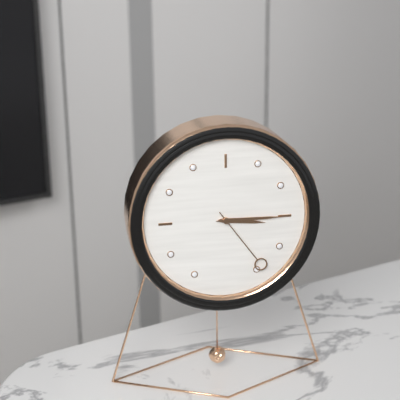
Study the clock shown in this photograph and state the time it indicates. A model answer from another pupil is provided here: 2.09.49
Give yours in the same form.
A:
3.15.24
